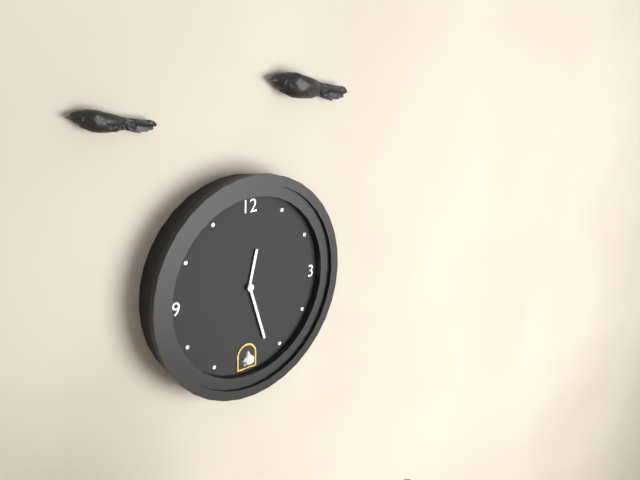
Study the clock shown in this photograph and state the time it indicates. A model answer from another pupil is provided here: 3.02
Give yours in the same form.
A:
12.27
